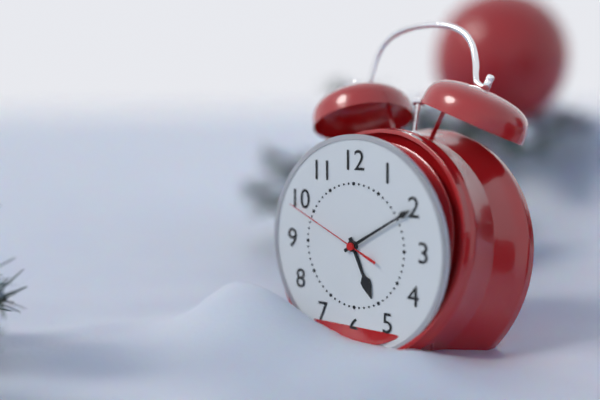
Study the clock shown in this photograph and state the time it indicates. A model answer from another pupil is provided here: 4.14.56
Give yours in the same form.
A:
5.10.49
